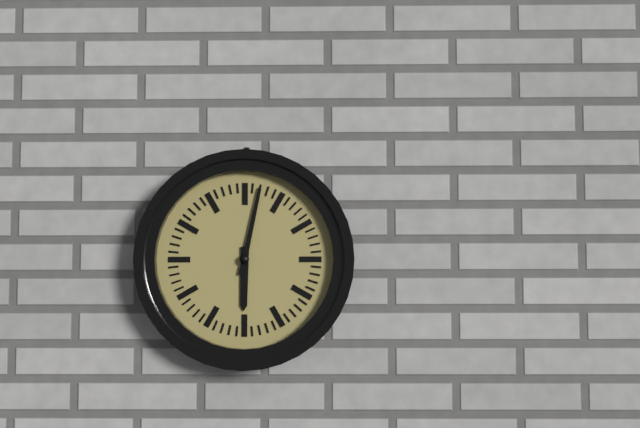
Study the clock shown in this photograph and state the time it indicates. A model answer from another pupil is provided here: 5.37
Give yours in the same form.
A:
6.02
